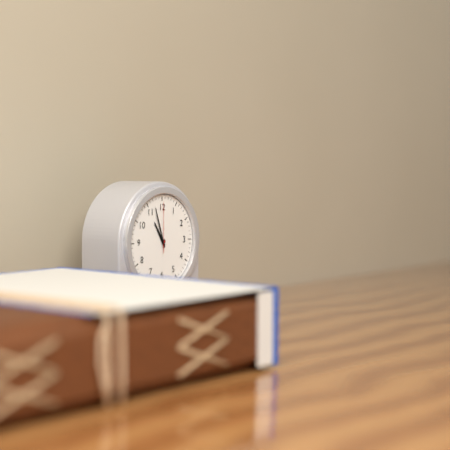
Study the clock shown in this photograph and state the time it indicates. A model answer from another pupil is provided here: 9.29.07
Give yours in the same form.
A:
10.57.00
